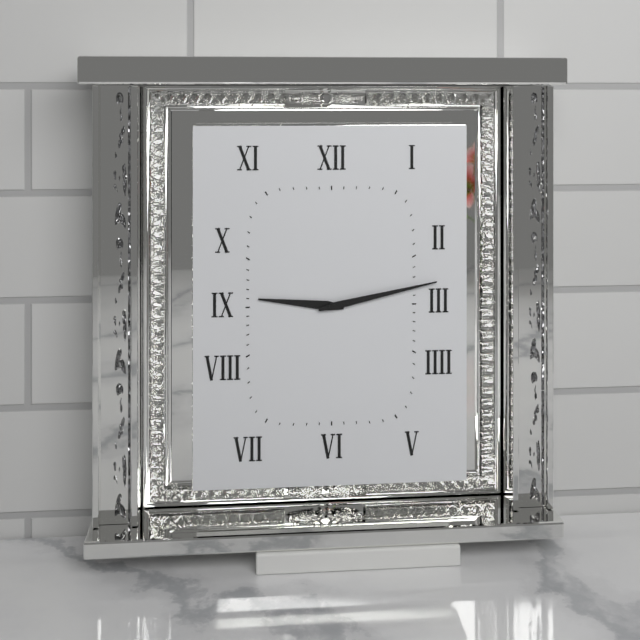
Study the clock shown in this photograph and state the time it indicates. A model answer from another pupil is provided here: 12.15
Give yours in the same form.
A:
9.13
